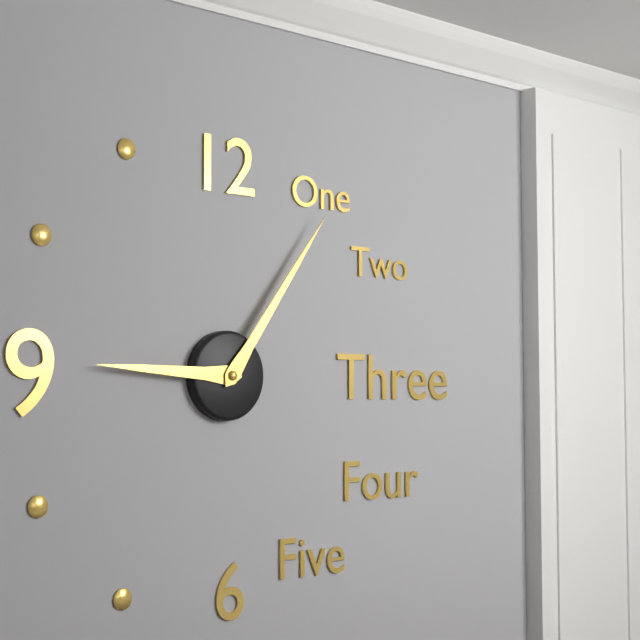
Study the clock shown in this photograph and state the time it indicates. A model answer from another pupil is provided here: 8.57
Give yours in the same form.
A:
9.06
